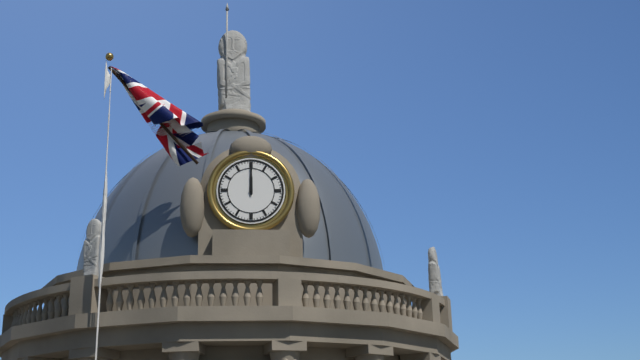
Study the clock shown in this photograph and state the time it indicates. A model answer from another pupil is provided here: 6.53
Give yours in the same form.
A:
12.00
